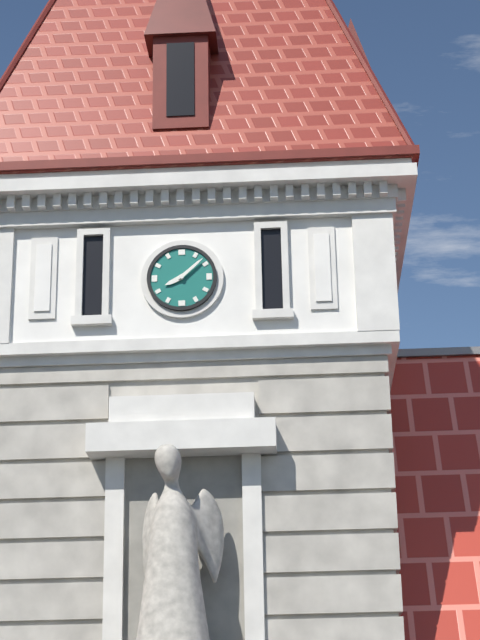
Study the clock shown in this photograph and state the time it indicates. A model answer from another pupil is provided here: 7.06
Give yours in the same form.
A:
8.08
